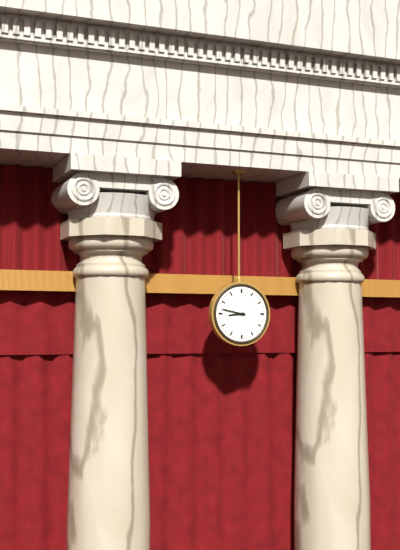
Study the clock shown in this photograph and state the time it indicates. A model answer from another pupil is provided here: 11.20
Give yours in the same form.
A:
8.47
